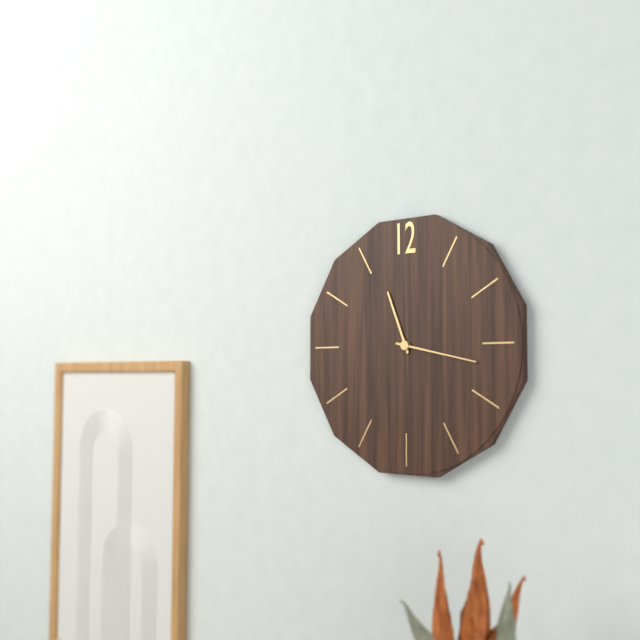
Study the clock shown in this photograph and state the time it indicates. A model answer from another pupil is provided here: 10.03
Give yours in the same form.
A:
11.17
